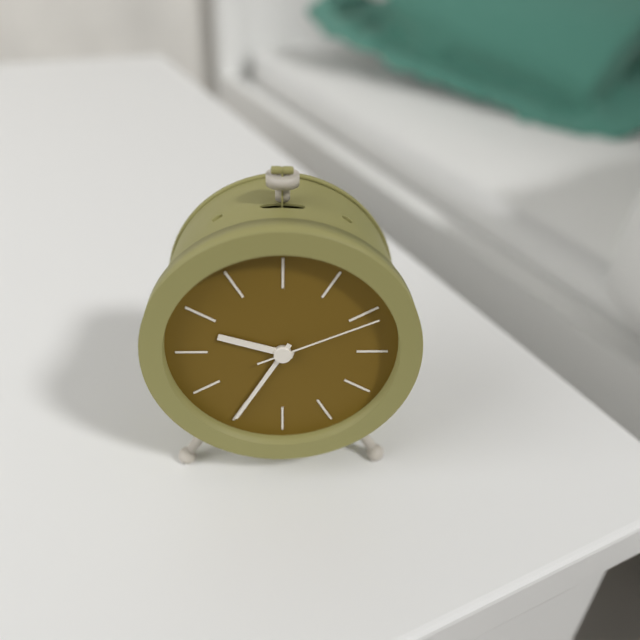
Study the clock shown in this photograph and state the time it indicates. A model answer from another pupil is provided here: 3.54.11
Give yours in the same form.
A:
9.35.11
